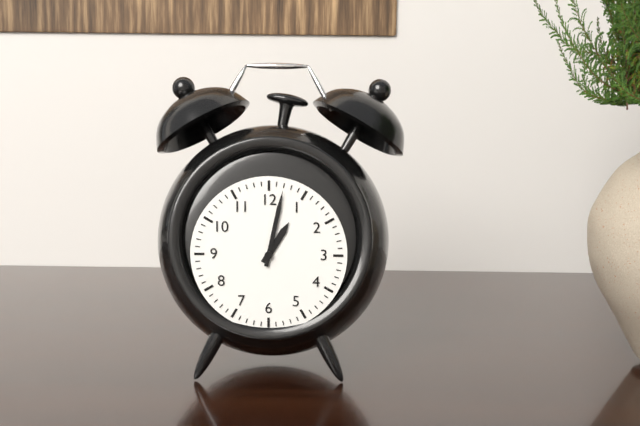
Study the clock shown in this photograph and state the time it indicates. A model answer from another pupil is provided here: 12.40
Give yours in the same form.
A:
1.02
